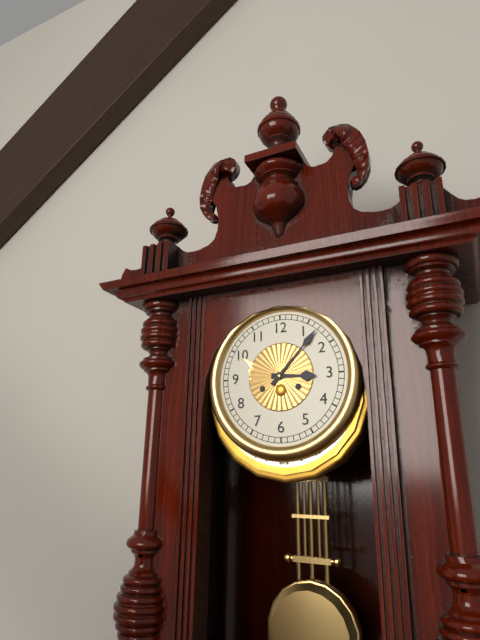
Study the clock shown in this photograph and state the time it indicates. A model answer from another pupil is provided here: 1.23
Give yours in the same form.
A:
3.07
